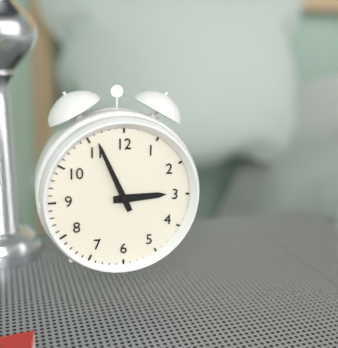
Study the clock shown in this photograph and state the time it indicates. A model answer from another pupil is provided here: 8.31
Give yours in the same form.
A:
2.56
